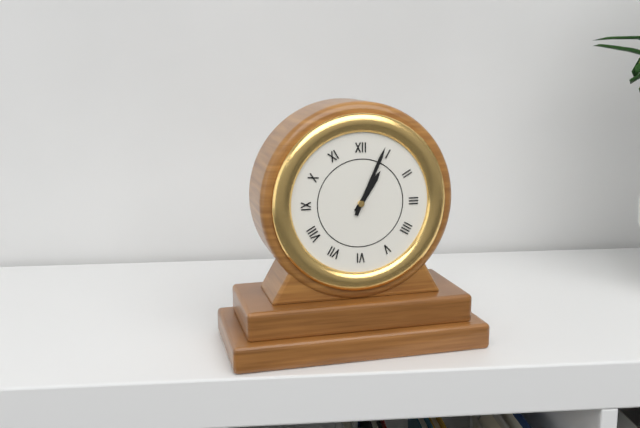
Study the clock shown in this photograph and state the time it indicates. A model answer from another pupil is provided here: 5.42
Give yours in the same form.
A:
1.04
